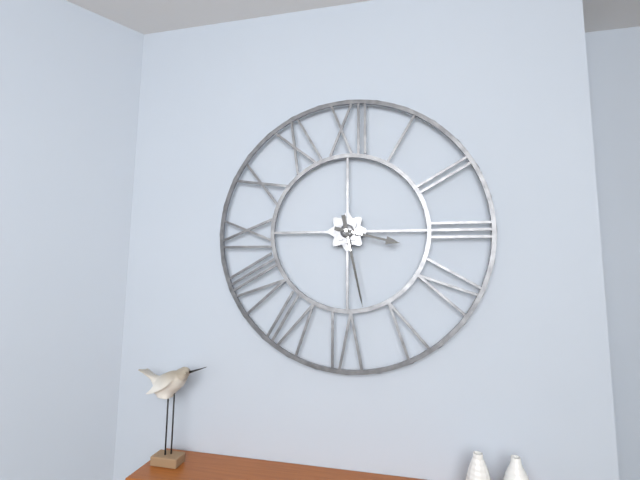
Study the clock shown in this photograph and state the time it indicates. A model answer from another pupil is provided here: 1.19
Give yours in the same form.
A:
3.28
